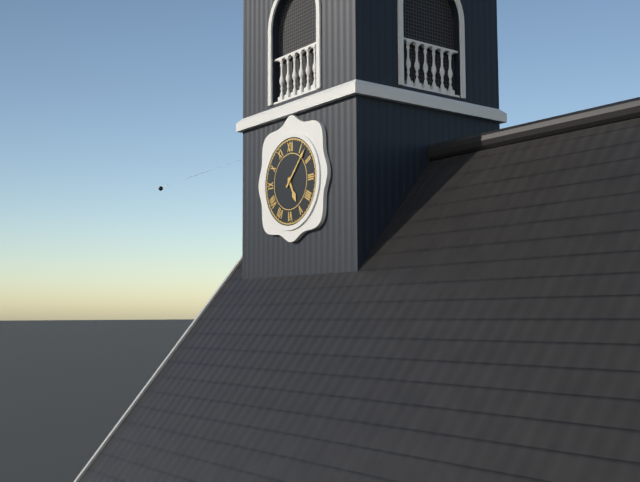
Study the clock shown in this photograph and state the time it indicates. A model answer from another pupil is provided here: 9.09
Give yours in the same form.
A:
5.07
